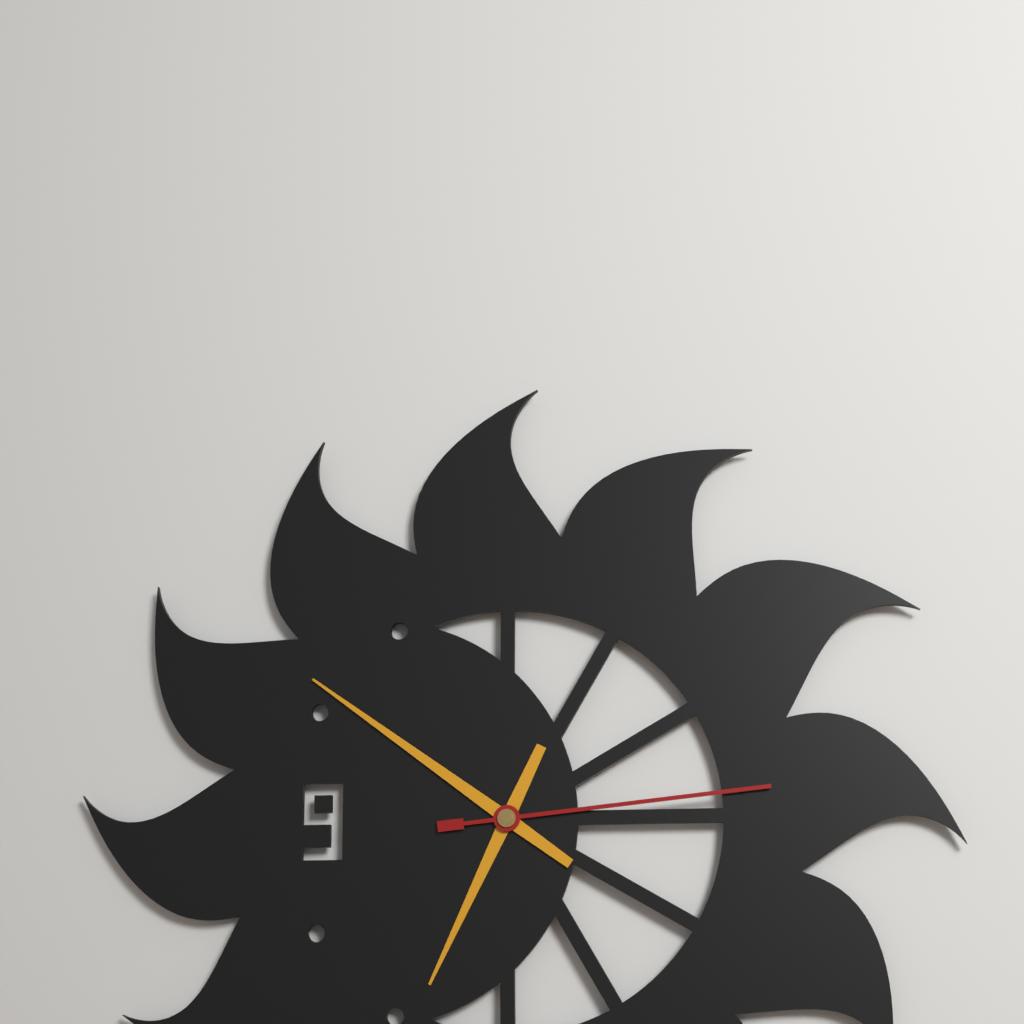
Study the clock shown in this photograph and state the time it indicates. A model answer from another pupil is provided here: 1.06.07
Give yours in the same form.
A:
6.51.14
